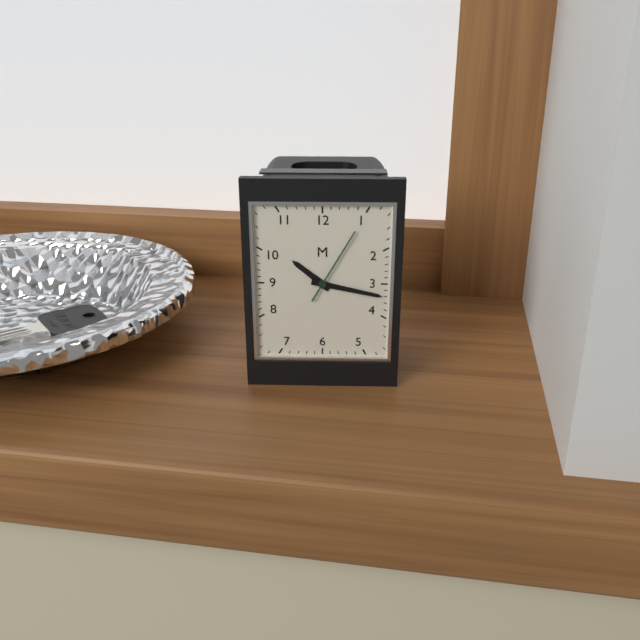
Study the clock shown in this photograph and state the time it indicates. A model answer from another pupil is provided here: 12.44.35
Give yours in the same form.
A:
10.17.05
